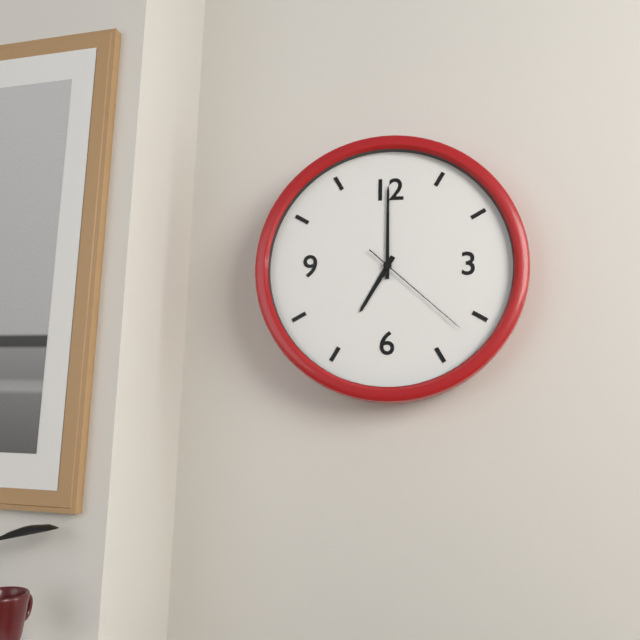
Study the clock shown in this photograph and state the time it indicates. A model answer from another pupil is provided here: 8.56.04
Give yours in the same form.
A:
7.00.22
